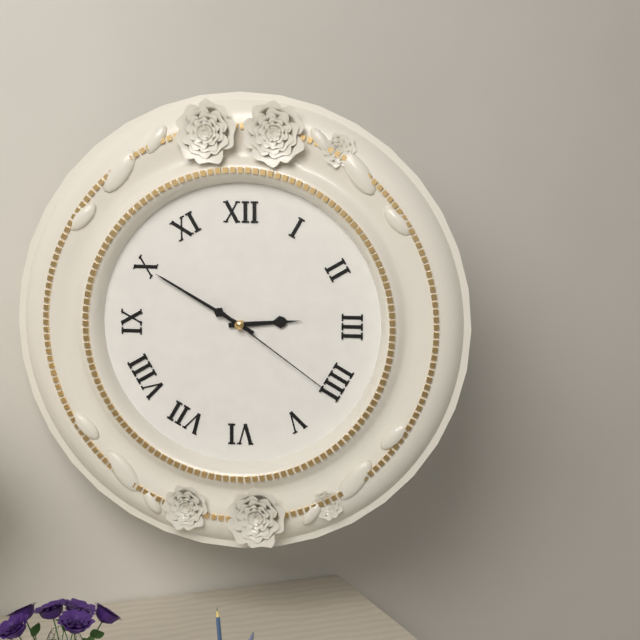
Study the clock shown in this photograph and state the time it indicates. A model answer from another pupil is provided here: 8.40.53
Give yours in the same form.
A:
2.50.21
